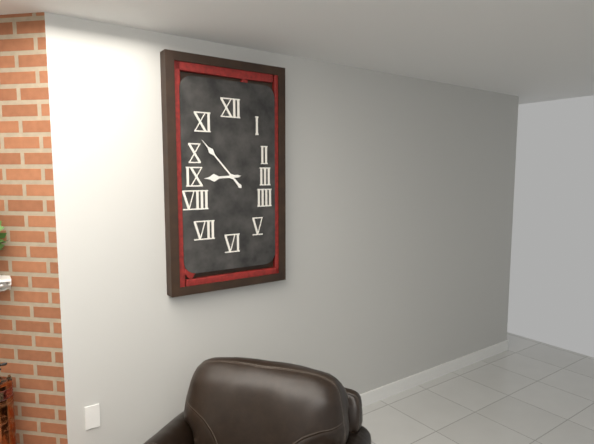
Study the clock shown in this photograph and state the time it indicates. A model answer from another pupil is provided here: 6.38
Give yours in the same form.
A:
8.53
